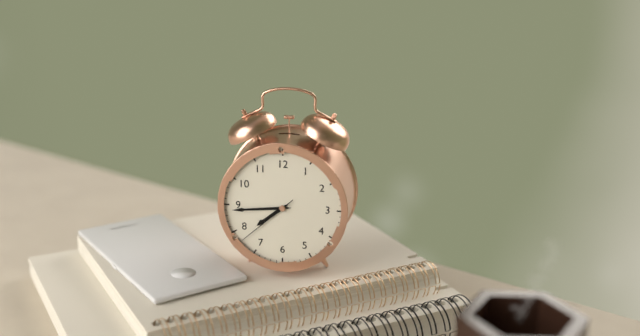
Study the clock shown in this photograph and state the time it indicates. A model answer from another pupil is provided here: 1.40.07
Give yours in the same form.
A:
7.44.38
